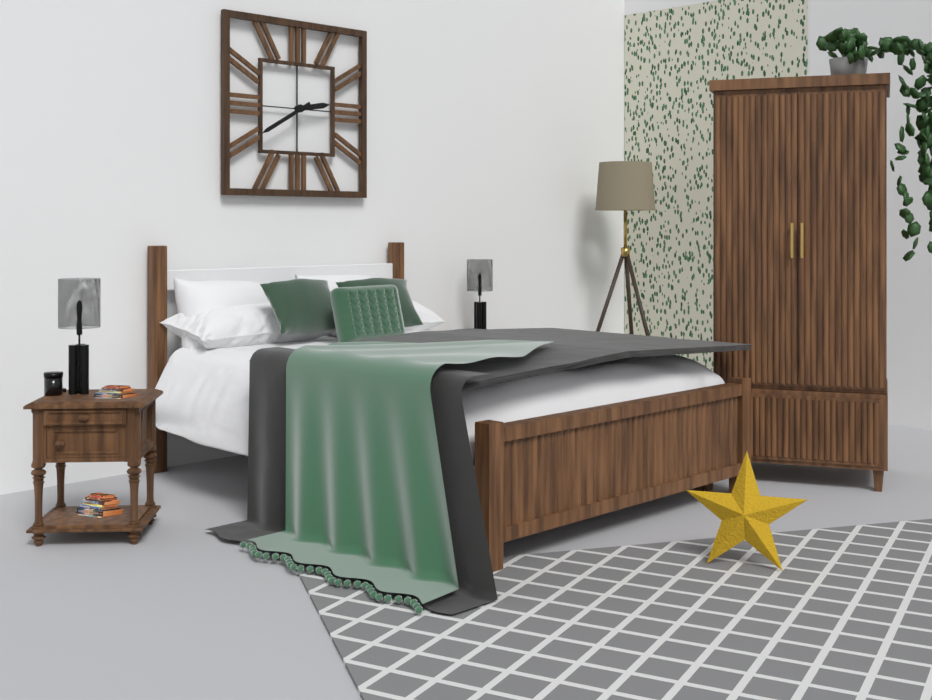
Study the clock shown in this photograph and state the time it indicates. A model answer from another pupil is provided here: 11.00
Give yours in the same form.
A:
2.40
